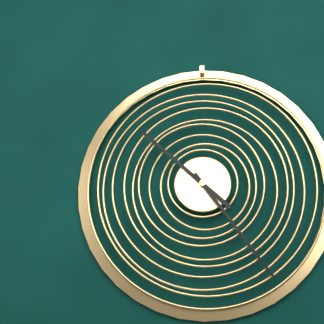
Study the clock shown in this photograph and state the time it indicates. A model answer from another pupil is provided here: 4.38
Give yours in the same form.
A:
10.24
